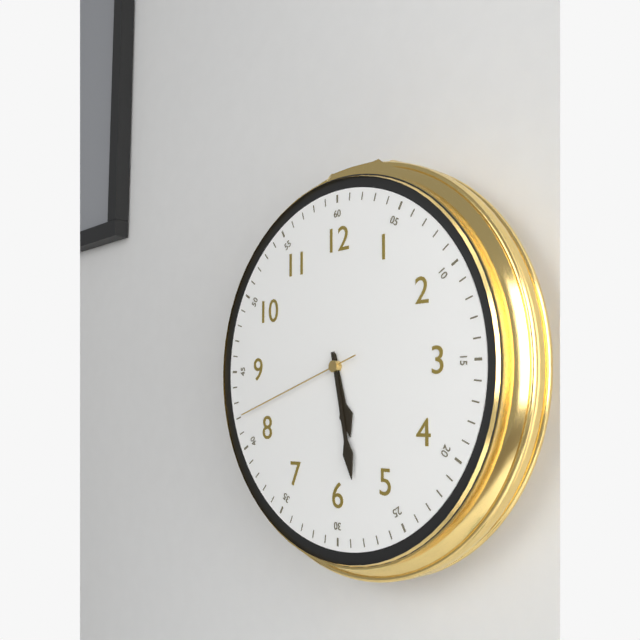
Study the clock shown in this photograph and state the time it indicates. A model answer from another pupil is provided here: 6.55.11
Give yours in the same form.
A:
5.28.42
